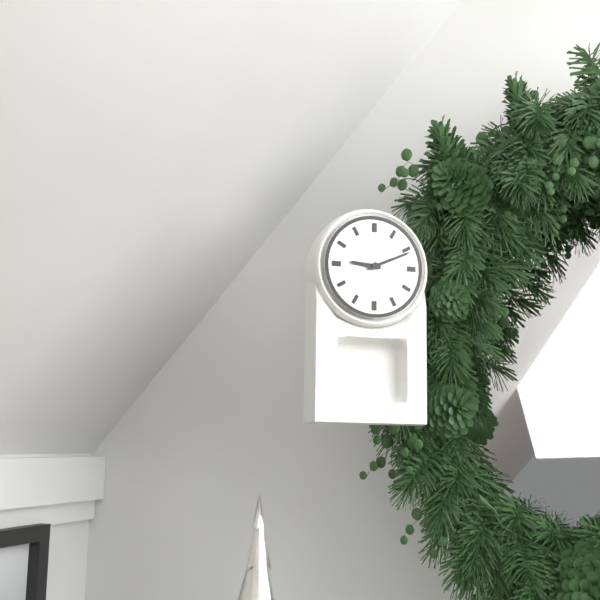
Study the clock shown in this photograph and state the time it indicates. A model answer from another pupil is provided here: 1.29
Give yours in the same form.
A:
9.11
